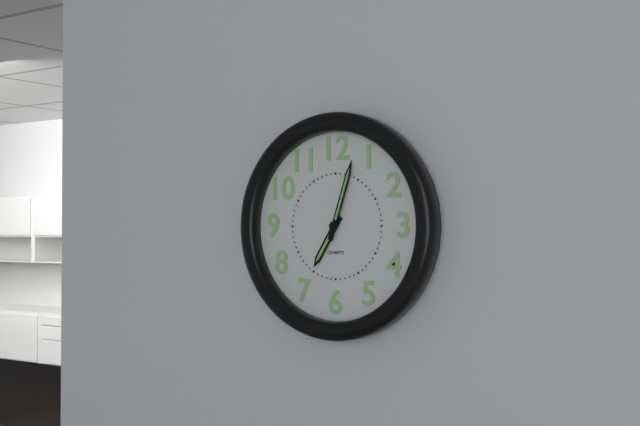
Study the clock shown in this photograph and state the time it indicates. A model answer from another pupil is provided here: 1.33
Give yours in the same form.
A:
7.03
